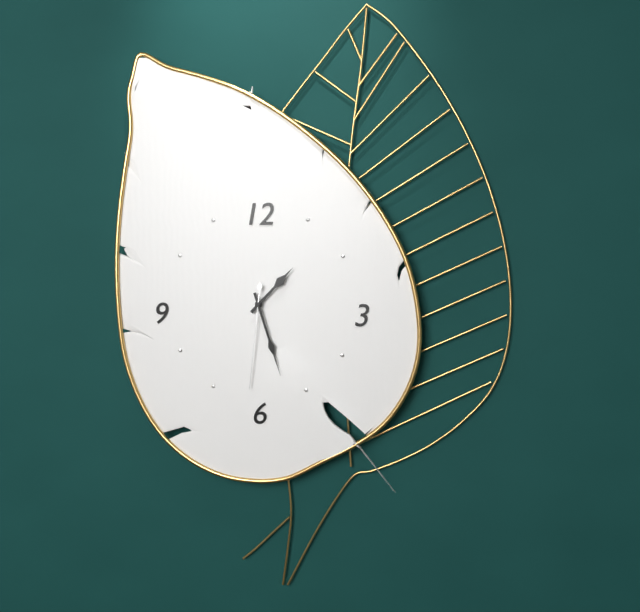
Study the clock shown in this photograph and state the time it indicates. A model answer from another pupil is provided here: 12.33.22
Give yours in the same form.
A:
1.27.31
